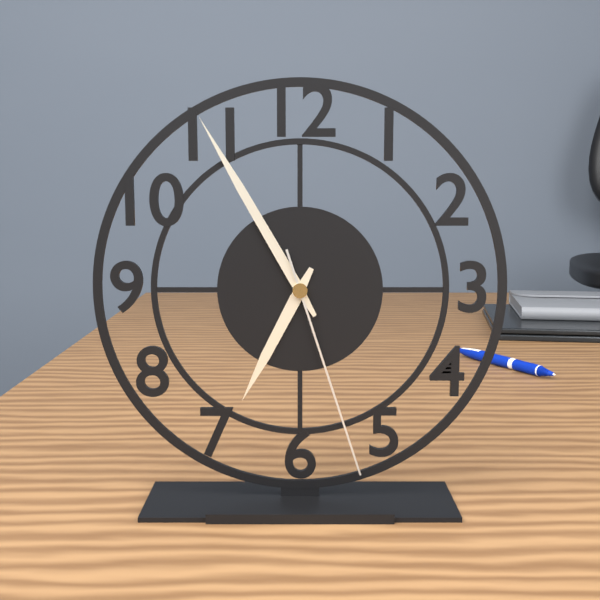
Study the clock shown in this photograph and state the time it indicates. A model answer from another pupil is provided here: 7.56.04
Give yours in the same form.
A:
6.55.27
